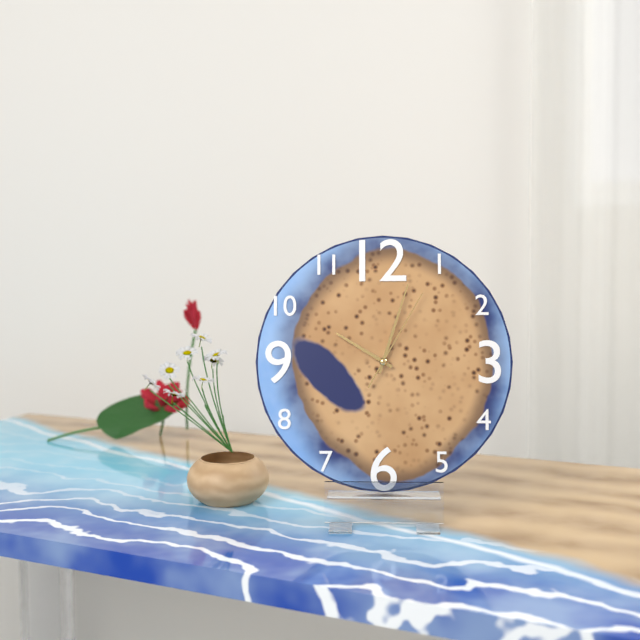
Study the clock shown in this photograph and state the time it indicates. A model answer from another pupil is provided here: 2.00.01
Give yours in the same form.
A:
10.03.05
